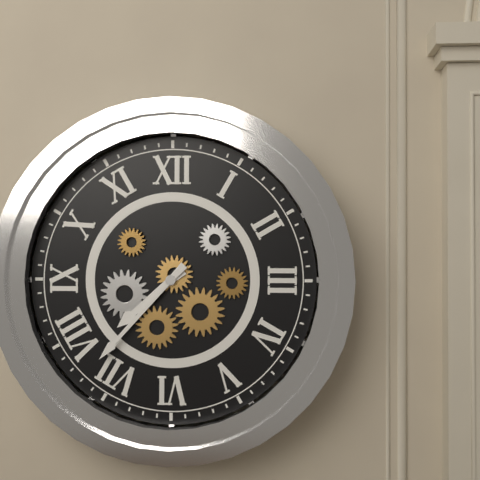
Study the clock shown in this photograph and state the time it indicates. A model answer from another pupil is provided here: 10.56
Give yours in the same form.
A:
7.37
